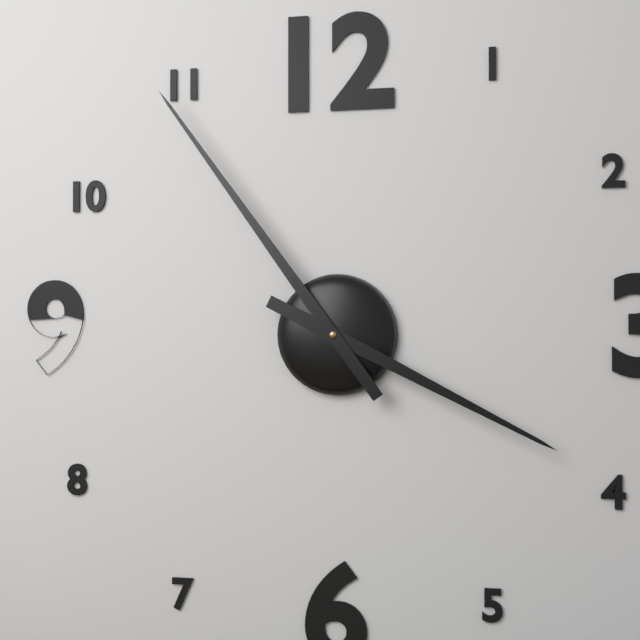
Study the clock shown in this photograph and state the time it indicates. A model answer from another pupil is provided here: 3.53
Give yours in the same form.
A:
3.54
